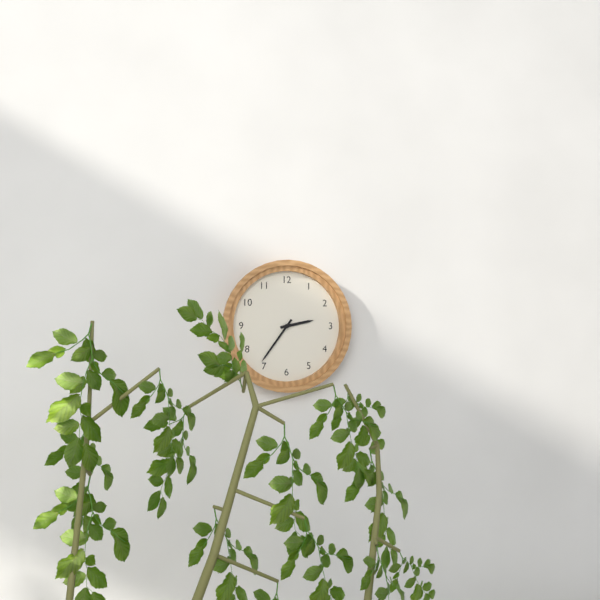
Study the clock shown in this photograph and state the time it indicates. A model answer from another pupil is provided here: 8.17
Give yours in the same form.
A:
2.36
